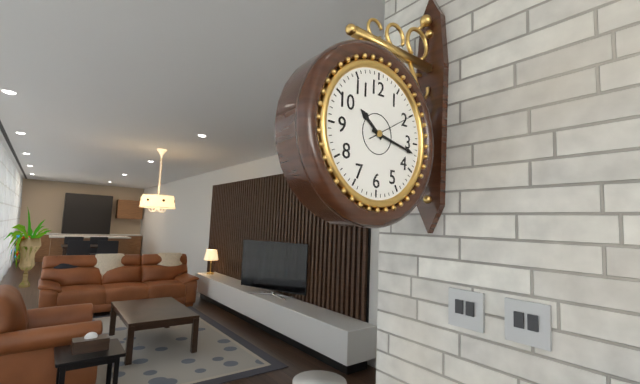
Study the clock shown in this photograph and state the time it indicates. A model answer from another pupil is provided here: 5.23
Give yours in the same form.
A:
10.17
